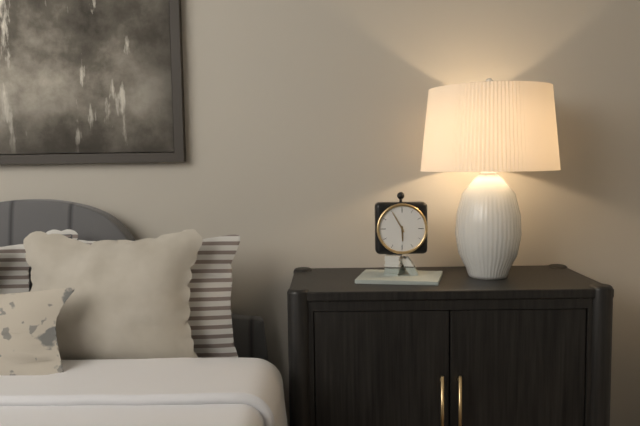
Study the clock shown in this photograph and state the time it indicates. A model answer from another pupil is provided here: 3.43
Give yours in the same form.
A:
5.55
